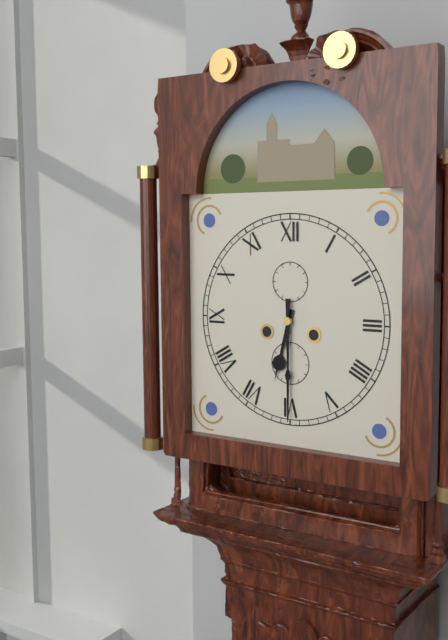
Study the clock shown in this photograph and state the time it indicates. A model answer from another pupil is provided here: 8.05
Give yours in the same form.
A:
6.30
